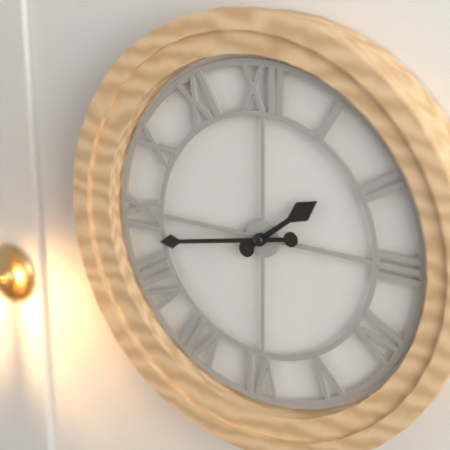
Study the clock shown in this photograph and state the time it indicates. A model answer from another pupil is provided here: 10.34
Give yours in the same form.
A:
1.43
